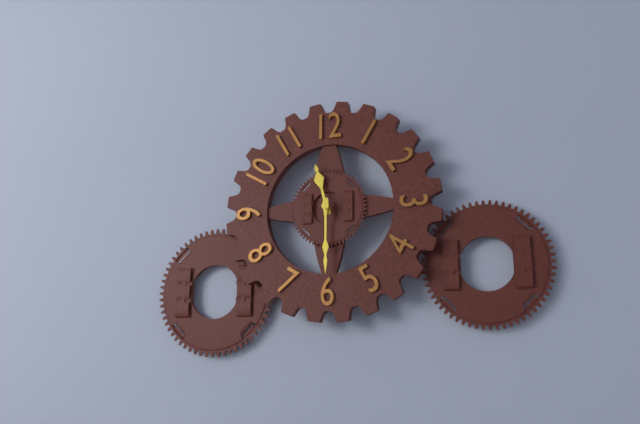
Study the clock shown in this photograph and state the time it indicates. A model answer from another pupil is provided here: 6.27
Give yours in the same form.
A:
11.30
